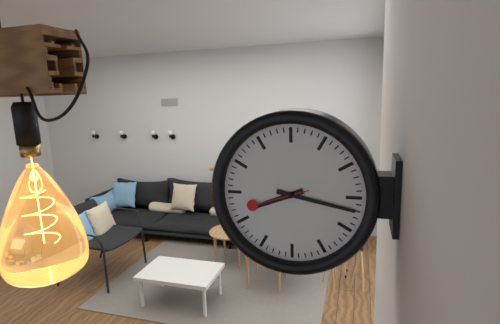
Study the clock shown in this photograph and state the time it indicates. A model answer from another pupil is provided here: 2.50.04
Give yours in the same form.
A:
8.17.42
